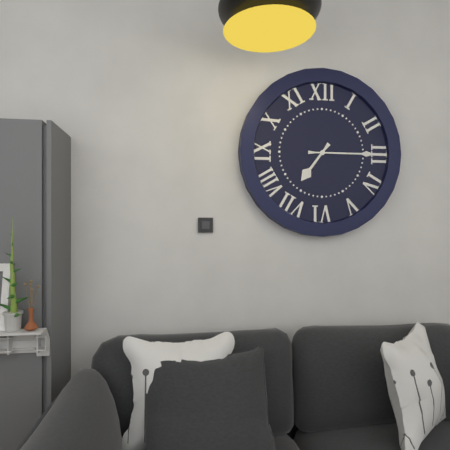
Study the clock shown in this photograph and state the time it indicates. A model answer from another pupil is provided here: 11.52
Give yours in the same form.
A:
7.15
